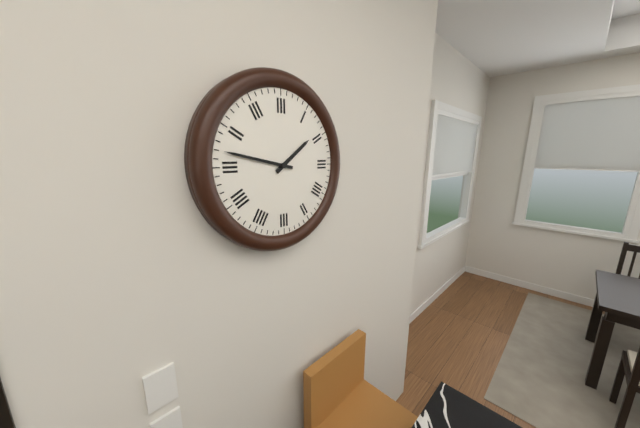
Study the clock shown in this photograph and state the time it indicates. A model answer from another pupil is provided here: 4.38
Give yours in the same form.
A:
1.47
